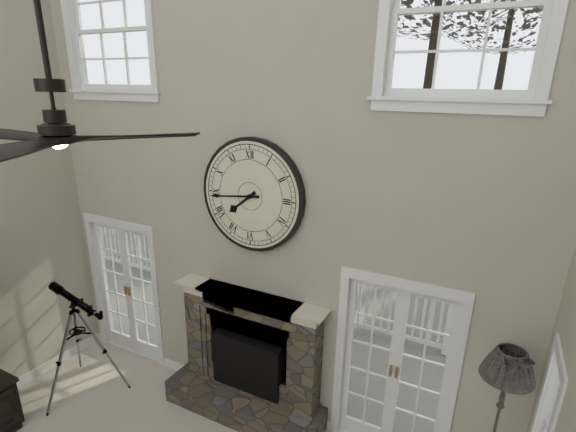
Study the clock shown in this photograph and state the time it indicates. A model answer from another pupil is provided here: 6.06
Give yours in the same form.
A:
7.44
